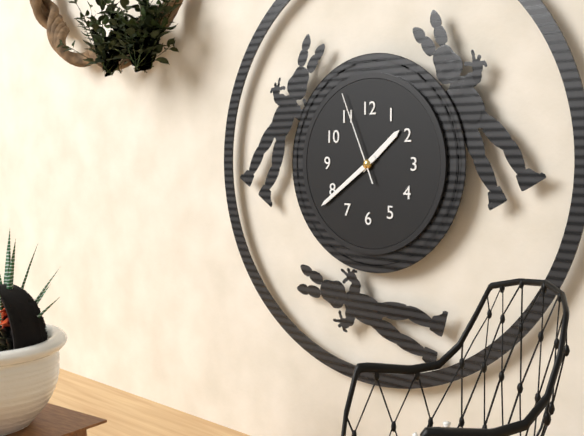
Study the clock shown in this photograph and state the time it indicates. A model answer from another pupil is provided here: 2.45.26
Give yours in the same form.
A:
1.39.56
